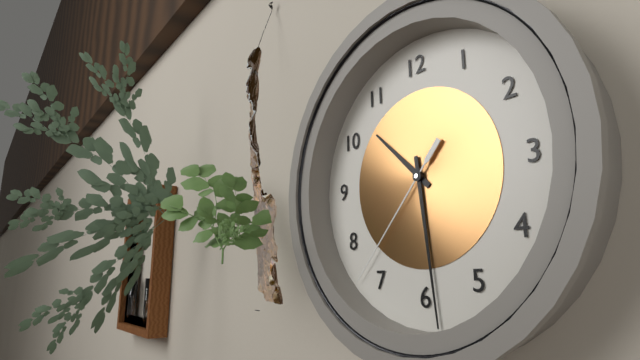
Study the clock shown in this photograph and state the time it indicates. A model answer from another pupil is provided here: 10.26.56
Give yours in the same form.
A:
10.29.37
